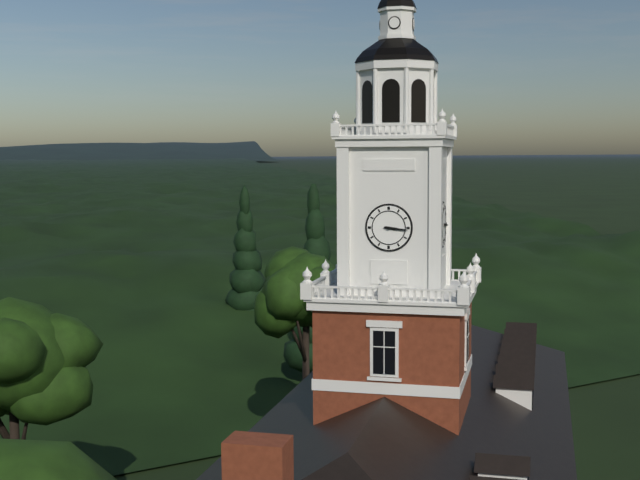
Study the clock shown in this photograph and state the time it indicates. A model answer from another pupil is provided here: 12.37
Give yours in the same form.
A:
3.16
